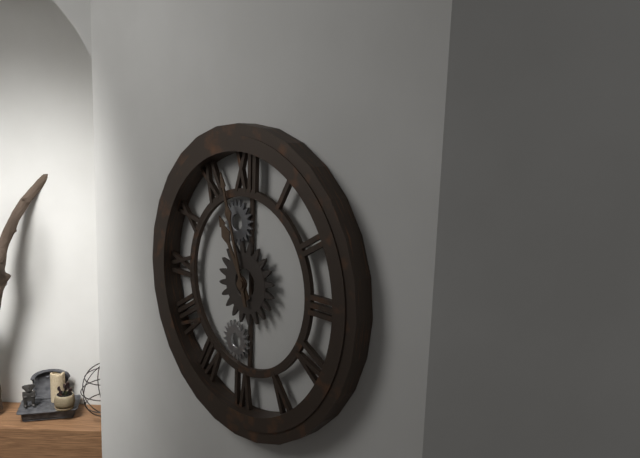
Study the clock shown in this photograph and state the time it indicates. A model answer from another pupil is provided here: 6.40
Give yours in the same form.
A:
10.57
